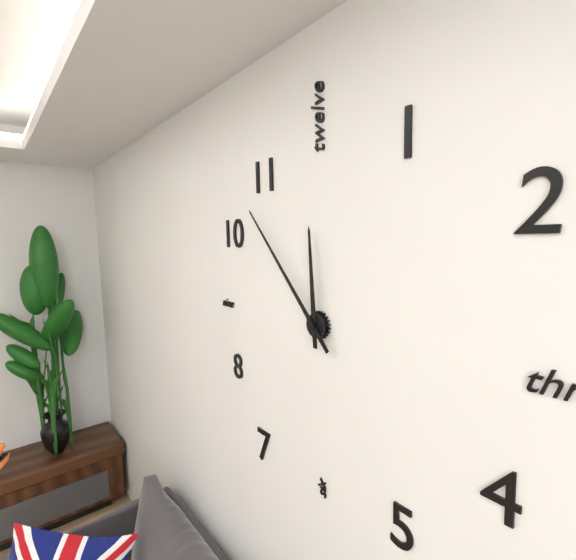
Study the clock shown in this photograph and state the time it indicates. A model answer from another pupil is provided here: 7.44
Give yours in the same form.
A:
11.53
